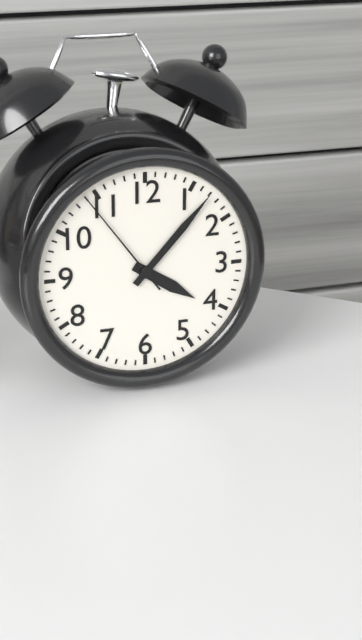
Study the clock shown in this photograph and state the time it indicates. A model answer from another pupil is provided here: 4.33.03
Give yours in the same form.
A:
4.07.54
